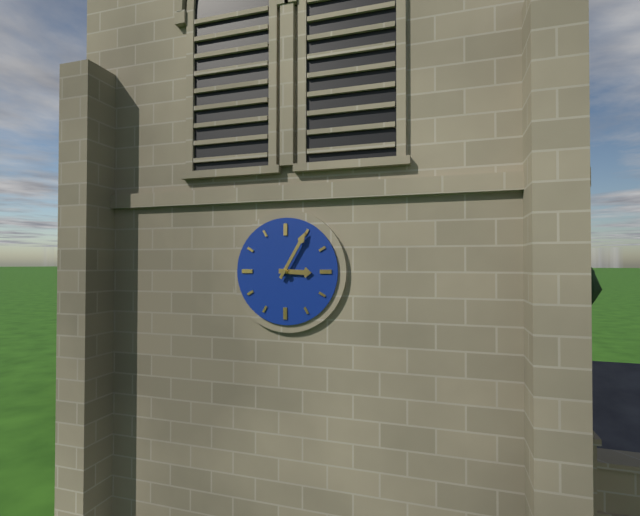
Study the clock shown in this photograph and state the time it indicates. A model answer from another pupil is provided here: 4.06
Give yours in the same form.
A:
3.05
